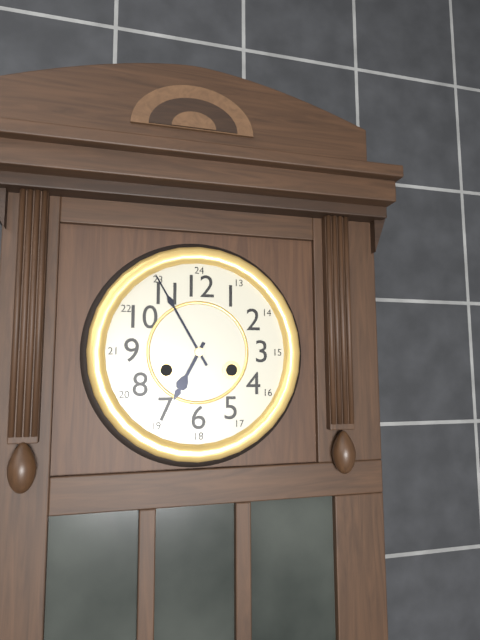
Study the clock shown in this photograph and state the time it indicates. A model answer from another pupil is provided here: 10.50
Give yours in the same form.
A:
6.55
